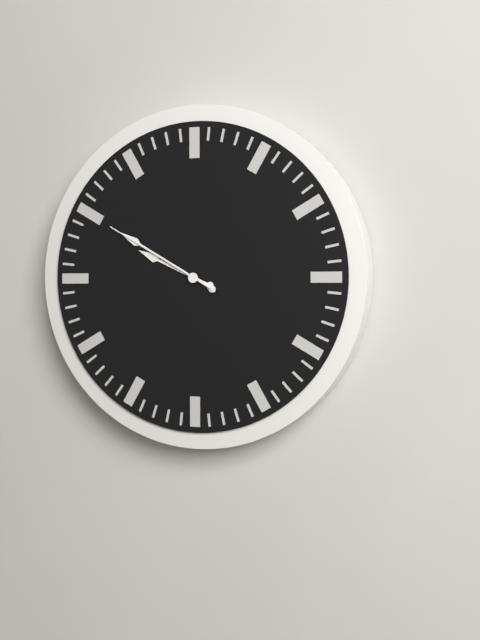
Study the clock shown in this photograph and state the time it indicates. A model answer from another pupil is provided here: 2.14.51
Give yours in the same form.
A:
9.50.50
